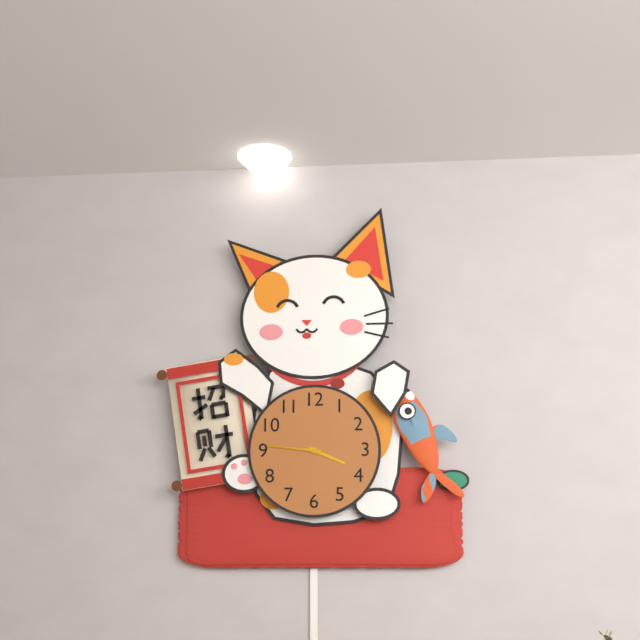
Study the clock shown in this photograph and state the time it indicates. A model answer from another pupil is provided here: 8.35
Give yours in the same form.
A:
3.46
